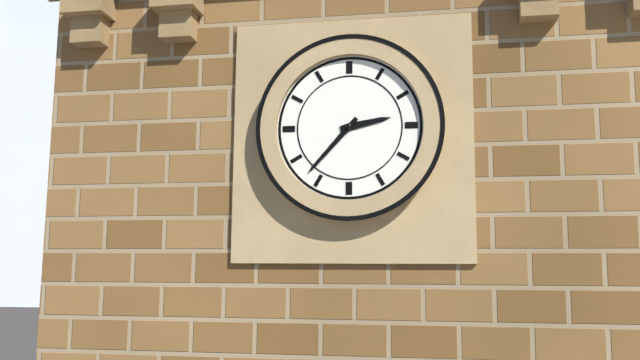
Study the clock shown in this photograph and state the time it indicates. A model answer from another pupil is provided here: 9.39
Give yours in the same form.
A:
2.37
